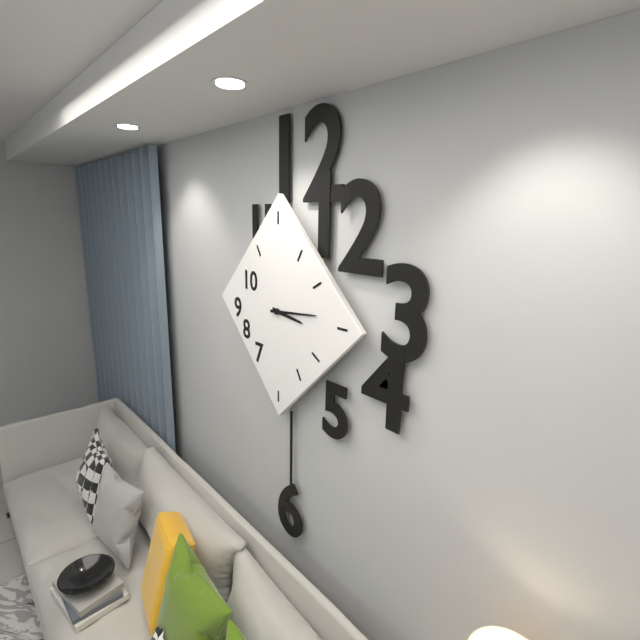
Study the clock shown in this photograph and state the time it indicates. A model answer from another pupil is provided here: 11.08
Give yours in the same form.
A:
3.14
